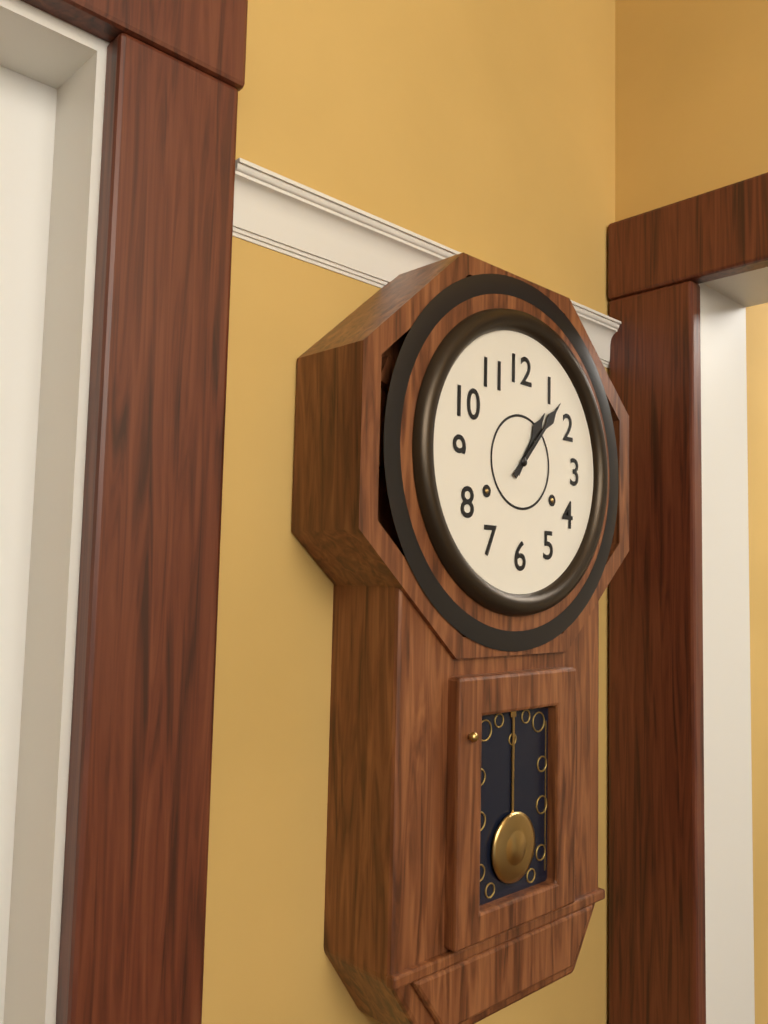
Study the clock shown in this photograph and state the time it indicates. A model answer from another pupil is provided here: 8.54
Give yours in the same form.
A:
1.07
